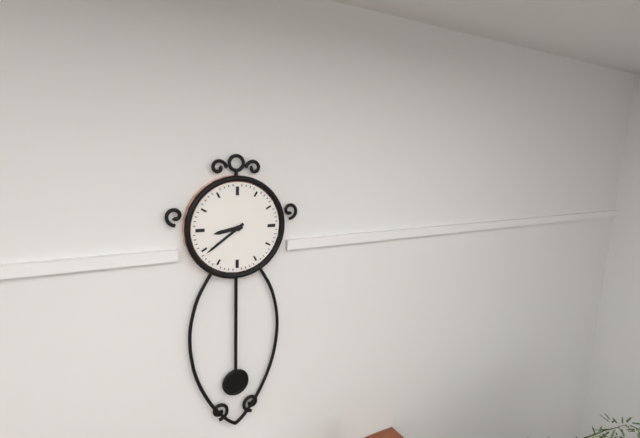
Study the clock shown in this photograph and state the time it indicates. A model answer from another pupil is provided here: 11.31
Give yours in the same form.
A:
8.39
